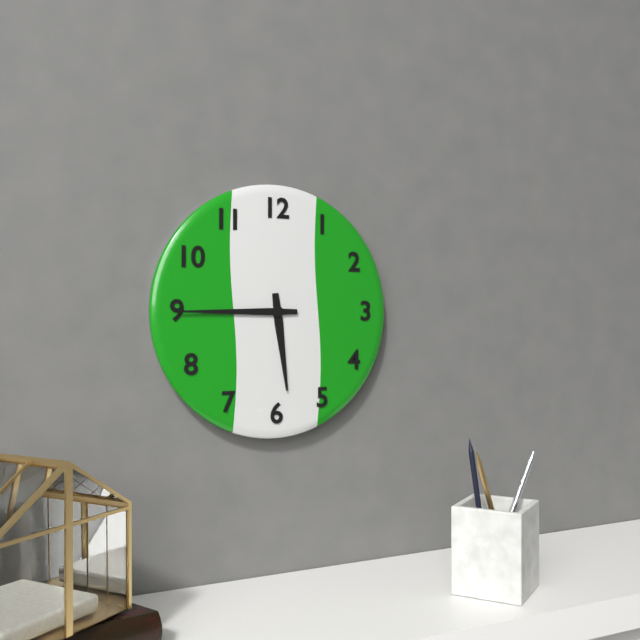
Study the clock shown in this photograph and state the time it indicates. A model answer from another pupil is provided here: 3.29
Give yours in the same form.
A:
5.45
